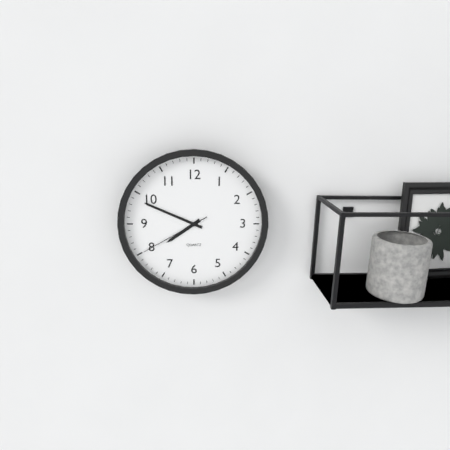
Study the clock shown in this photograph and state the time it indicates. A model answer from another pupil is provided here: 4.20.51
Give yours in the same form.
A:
7.49.40
